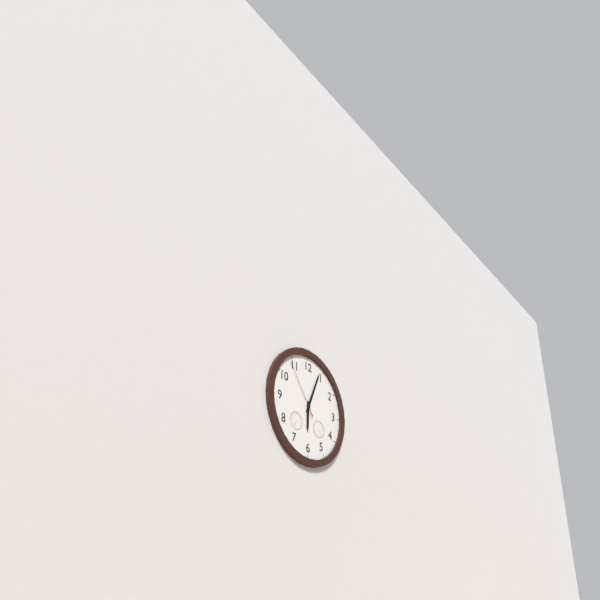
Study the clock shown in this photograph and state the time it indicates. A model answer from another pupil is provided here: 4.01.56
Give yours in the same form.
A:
6.04.54
